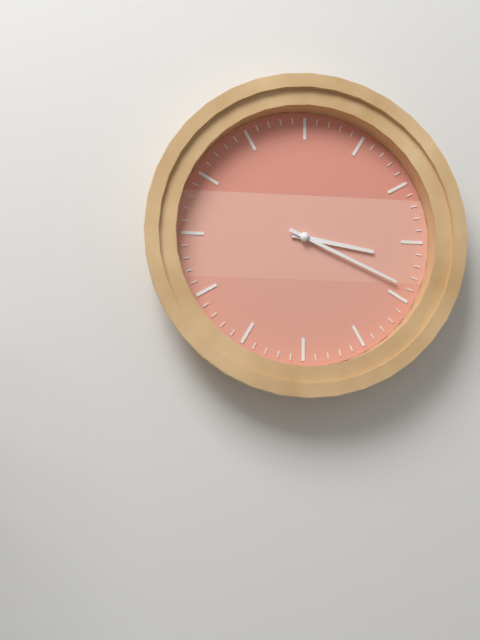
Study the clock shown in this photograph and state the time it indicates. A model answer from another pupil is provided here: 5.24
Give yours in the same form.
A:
3.19
